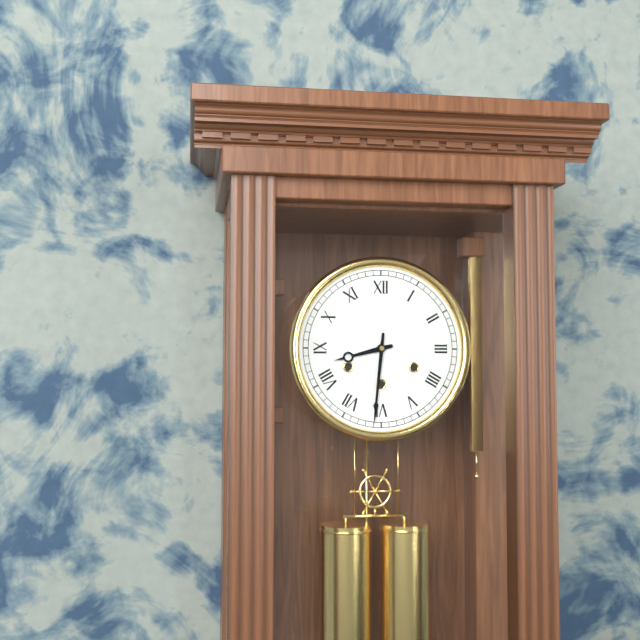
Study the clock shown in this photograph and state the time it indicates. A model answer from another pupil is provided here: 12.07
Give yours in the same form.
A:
8.31
